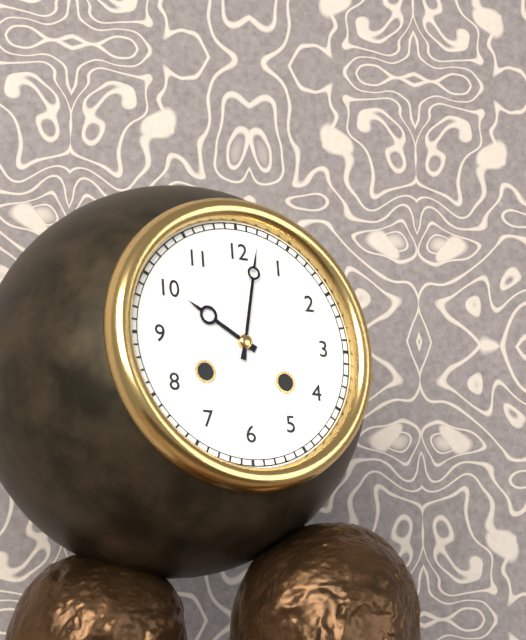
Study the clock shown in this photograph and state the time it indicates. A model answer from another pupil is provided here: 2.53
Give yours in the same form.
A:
10.02
